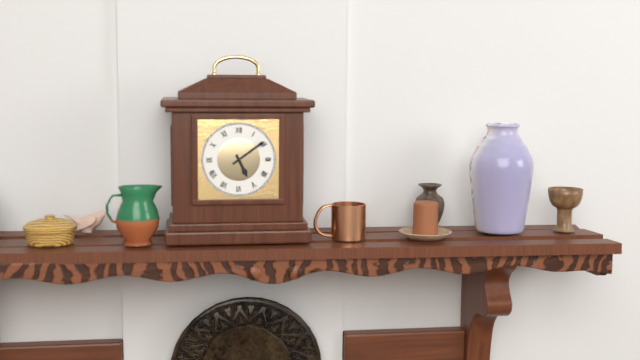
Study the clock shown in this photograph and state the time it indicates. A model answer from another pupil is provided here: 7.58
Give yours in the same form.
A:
5.09
